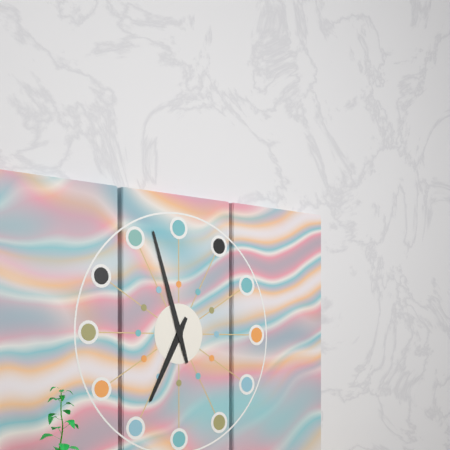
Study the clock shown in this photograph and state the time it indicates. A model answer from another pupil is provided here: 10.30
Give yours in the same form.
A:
6.57
